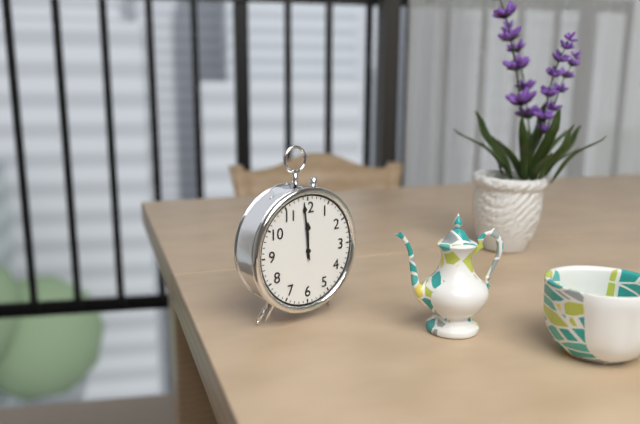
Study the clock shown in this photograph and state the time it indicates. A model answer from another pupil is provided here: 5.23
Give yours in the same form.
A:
11.59
